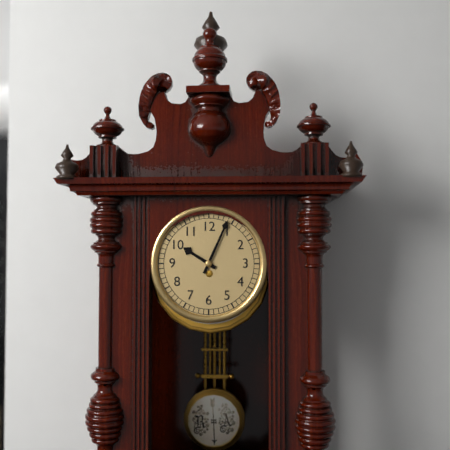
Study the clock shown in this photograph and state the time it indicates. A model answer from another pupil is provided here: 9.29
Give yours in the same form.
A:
10.04
